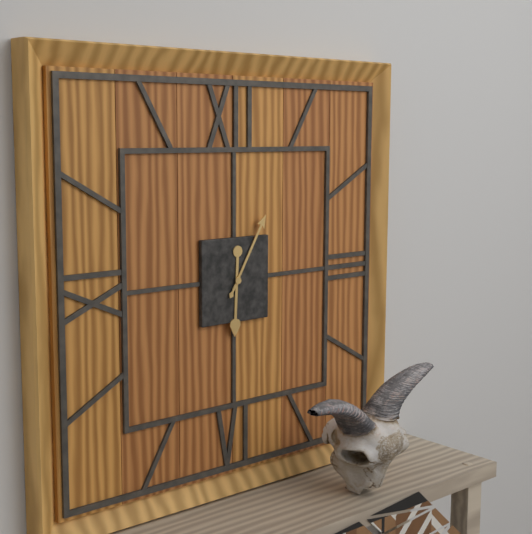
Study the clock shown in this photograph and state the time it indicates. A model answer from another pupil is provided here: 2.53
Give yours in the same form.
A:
6.05
